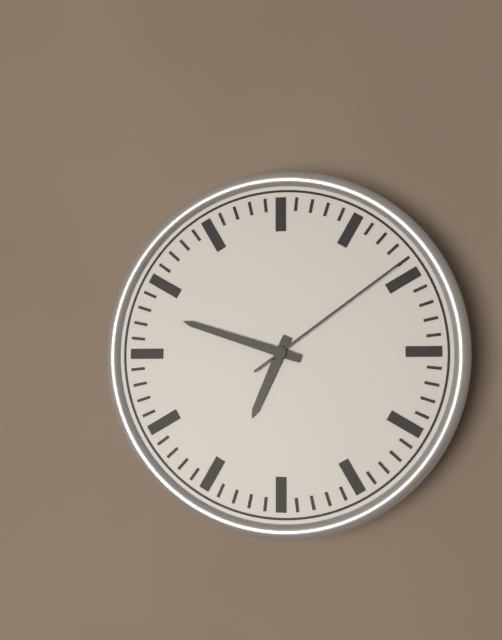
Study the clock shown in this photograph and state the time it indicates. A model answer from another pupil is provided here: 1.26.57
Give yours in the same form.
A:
6.48.09
